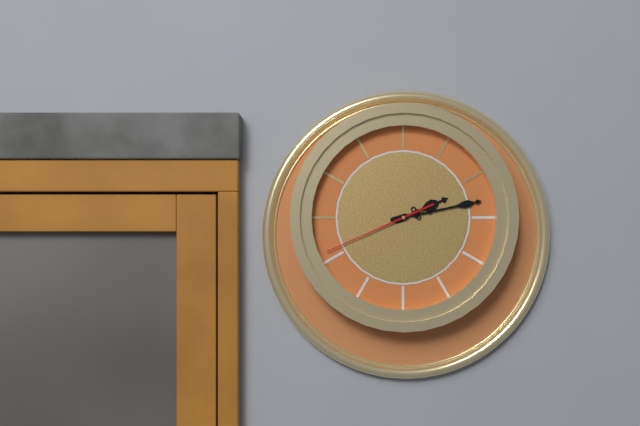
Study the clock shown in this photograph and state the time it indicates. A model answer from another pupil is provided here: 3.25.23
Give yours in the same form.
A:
2.13.41
